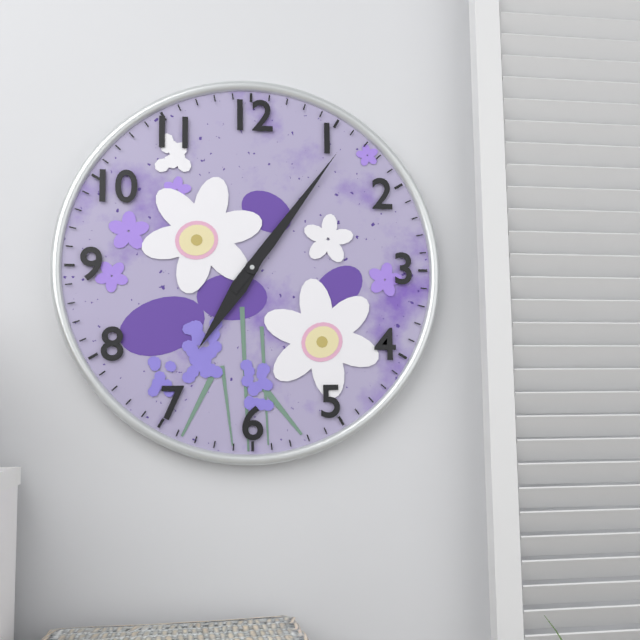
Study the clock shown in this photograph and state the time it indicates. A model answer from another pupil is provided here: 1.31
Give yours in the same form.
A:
7.06
